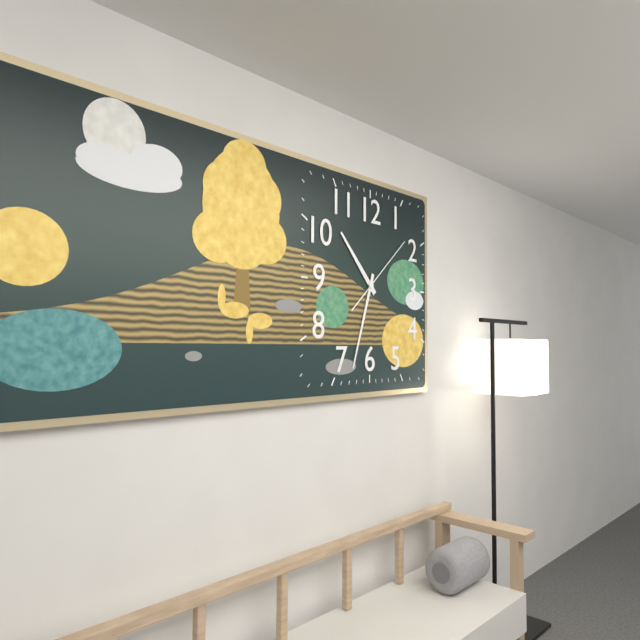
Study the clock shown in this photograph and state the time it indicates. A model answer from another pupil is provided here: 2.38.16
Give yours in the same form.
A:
10.33.08
